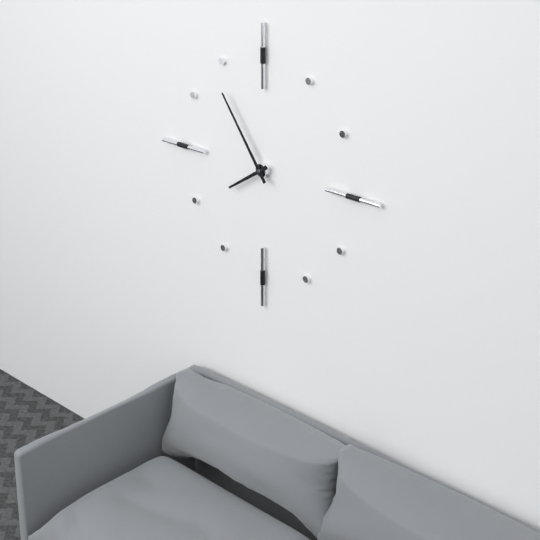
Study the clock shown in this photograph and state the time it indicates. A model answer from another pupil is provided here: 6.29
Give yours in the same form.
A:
7.54
